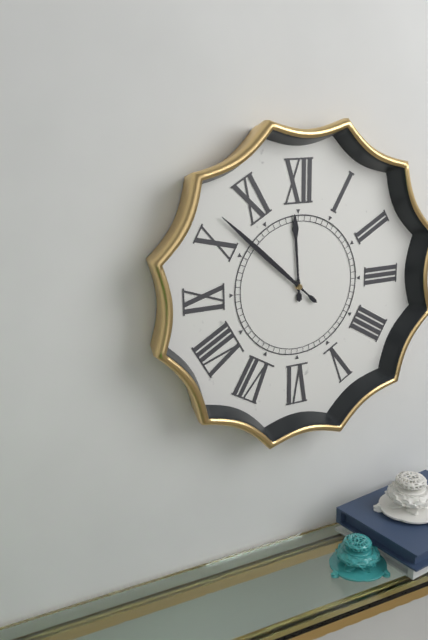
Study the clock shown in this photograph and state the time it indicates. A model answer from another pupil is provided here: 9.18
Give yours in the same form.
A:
11.52
